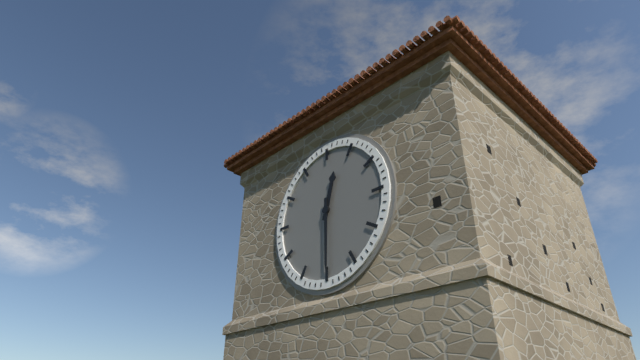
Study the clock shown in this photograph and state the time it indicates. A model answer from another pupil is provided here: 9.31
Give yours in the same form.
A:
12.30
